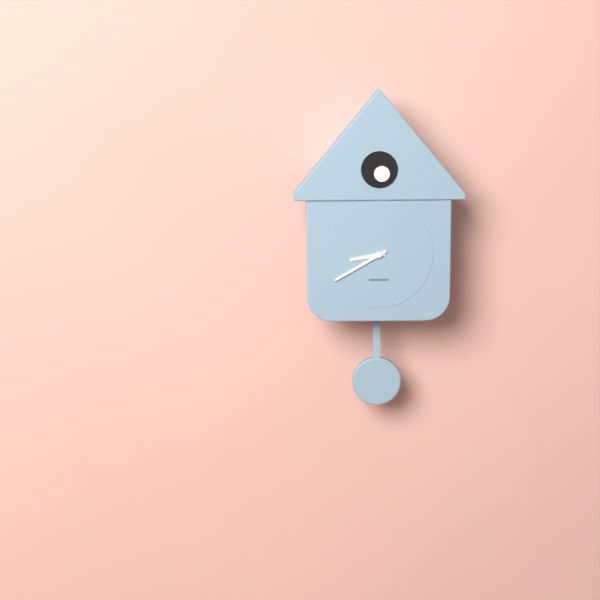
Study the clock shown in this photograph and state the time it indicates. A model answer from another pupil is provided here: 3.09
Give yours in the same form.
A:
8.40
